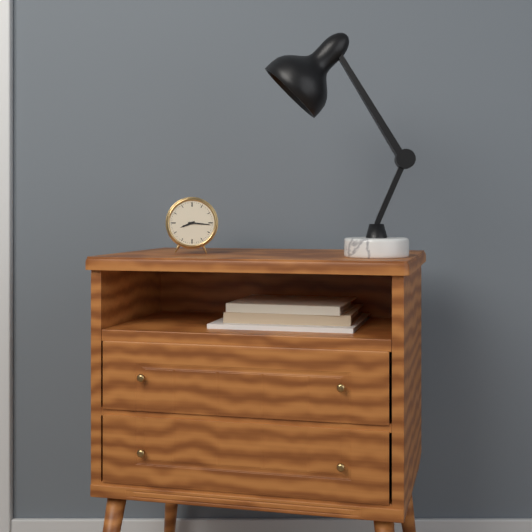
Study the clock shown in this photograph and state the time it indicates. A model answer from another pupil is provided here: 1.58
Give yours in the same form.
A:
8.16
